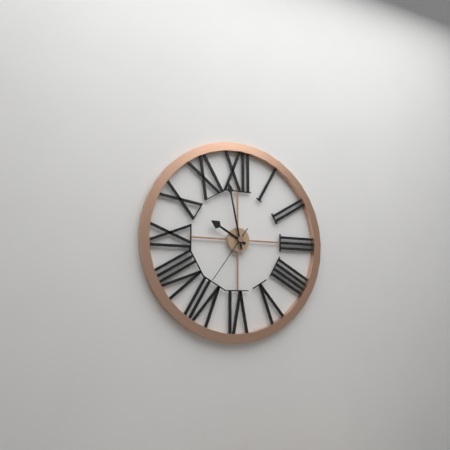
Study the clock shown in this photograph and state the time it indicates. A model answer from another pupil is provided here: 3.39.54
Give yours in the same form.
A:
9.58.36
